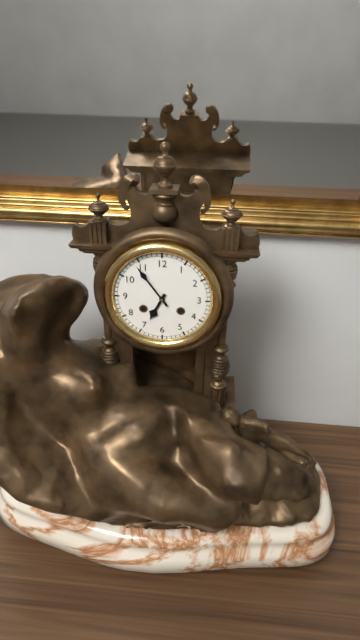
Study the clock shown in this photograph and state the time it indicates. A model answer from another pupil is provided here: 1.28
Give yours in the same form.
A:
6.54
